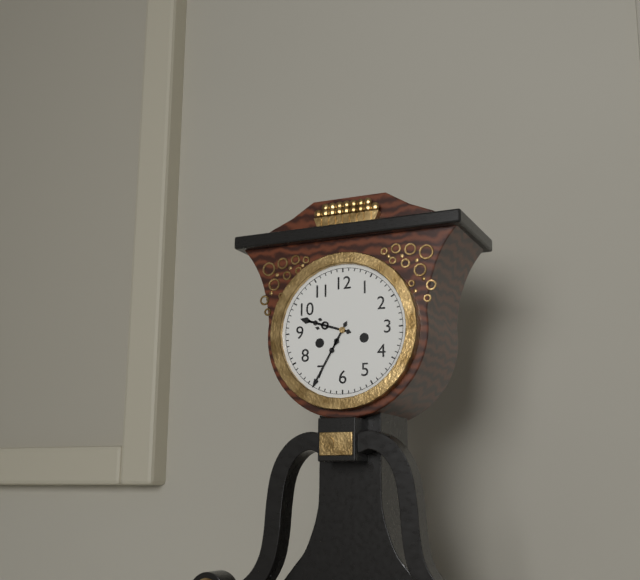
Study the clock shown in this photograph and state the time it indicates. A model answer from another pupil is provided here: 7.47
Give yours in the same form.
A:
9.35
